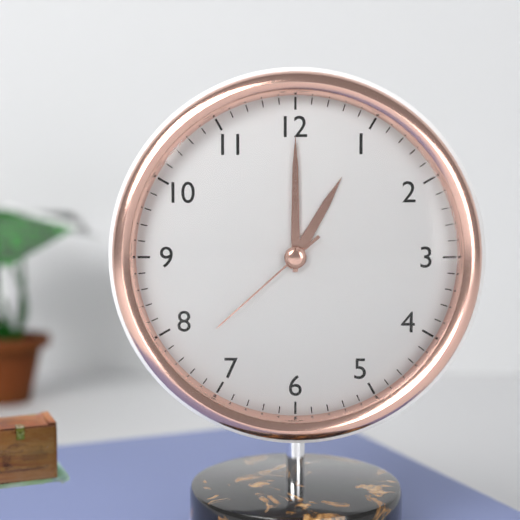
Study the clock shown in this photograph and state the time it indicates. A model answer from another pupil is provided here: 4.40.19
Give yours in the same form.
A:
1.00.38
